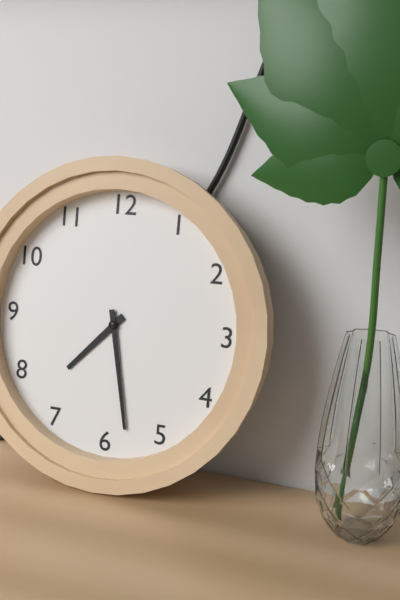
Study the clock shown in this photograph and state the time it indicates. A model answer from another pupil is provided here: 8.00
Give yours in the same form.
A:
7.28
